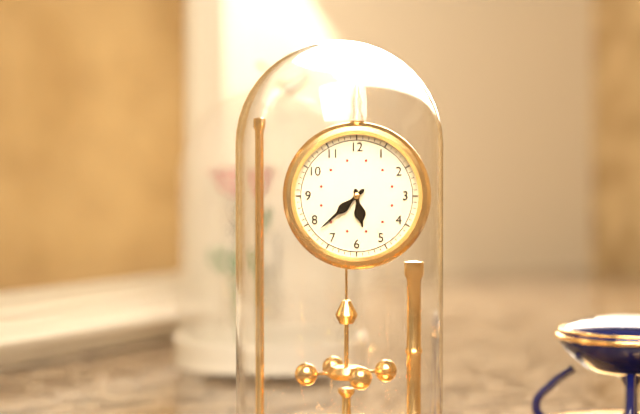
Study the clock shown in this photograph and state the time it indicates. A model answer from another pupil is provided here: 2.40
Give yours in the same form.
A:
5.38
